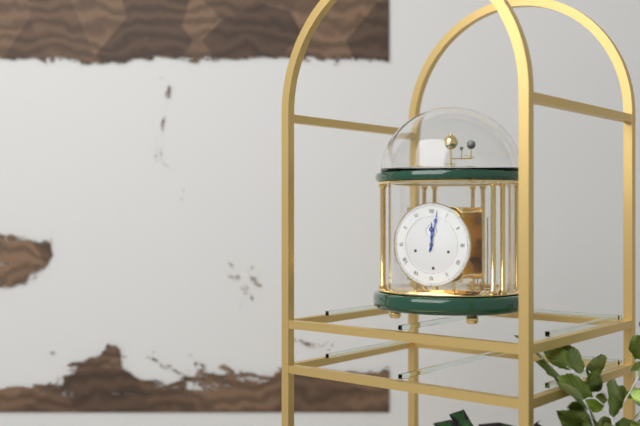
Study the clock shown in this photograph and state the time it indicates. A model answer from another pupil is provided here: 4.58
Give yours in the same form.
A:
12.02
